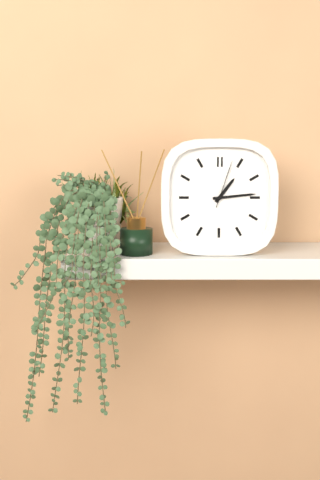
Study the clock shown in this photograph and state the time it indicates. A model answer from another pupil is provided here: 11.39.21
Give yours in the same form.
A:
1.14.03
